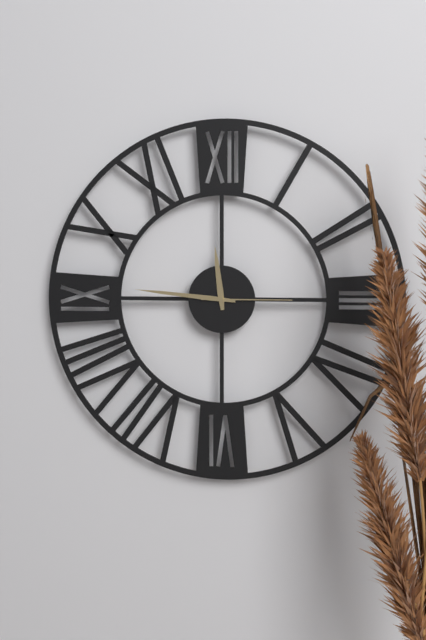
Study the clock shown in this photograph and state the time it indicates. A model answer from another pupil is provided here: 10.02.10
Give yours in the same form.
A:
11.46.15
